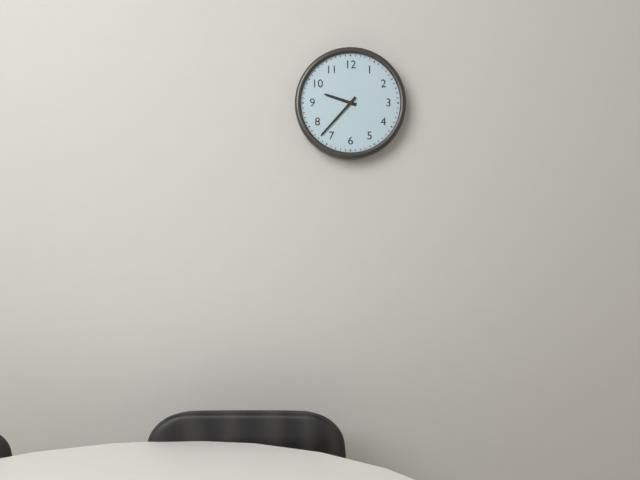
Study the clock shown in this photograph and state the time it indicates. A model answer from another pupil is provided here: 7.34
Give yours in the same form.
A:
9.37
